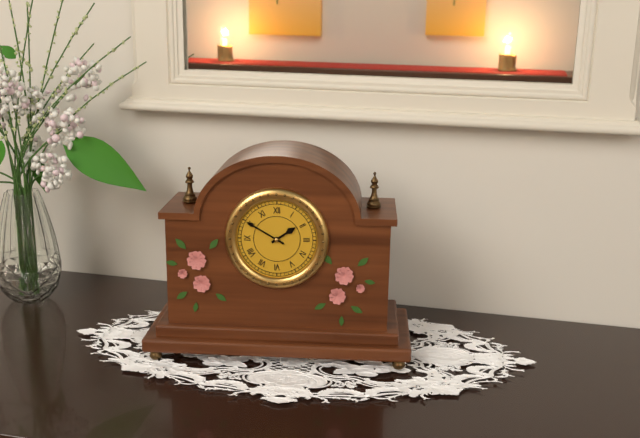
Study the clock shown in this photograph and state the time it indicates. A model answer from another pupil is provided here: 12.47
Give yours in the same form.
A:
1.50
